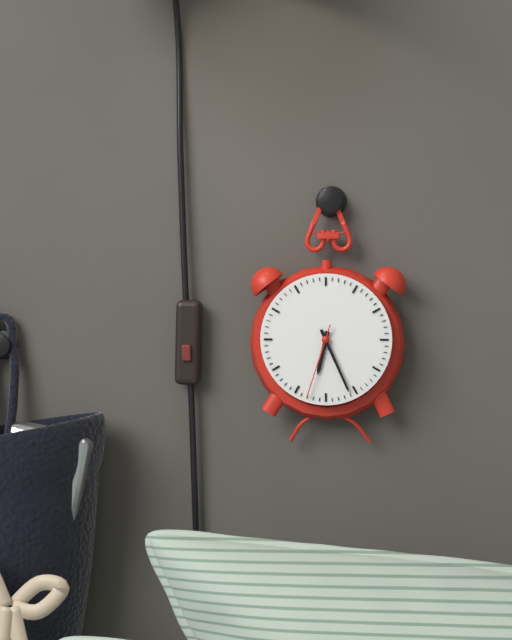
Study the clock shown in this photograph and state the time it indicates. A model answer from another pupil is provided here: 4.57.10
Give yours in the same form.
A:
6.26.33
